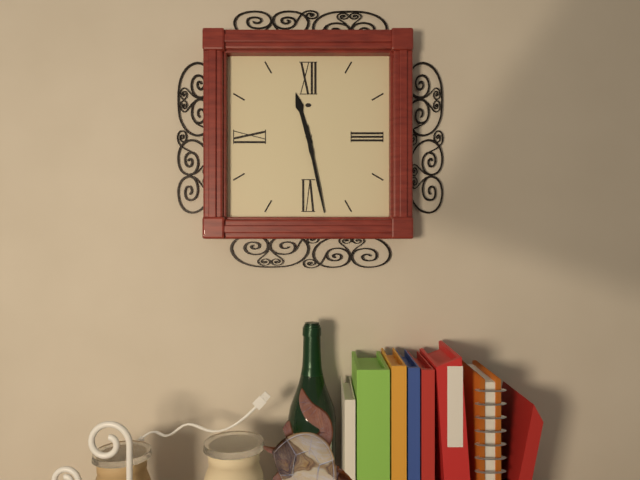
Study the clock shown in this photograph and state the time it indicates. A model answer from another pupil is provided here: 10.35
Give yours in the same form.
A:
11.28
